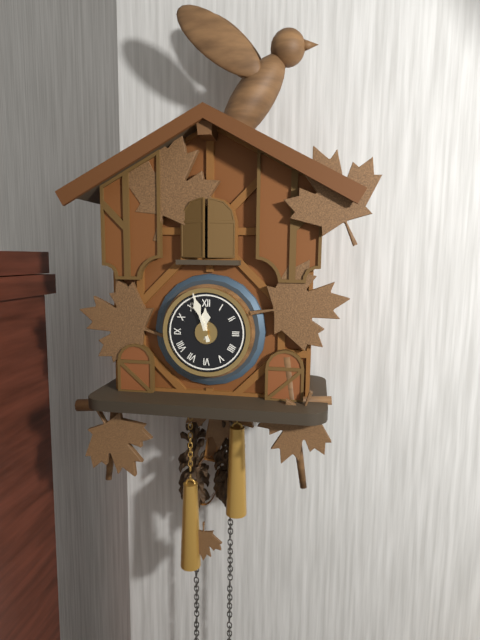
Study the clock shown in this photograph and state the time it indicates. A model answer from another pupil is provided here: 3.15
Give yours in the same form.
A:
11.57
